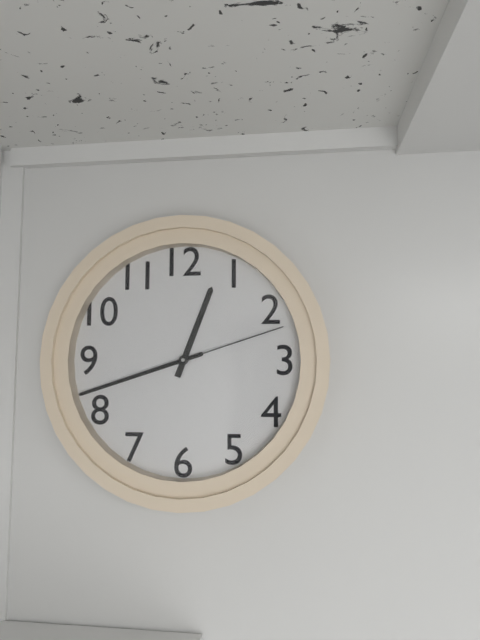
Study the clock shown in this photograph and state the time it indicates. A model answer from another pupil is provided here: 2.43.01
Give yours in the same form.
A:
12.42.12
